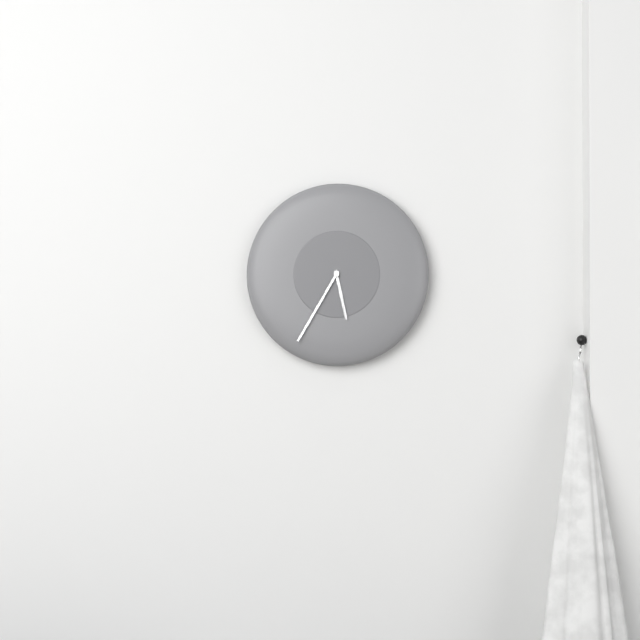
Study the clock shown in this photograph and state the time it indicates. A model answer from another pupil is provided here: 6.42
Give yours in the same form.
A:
5.35
